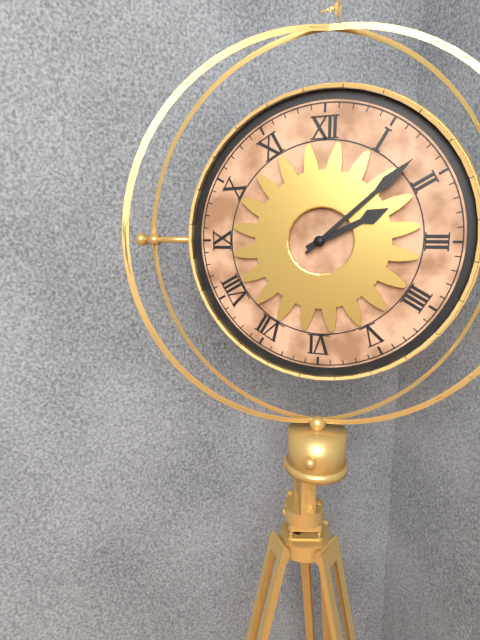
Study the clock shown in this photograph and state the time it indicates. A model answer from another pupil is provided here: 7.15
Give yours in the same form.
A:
2.08
